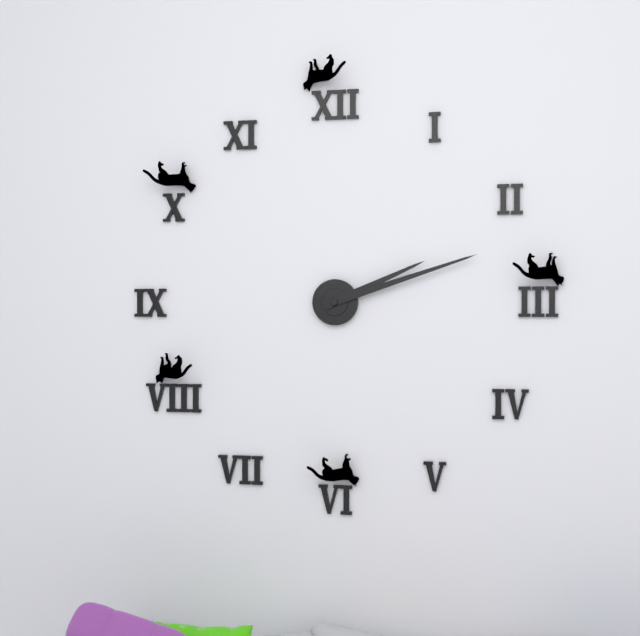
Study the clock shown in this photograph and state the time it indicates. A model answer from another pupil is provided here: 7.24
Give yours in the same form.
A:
2.12
